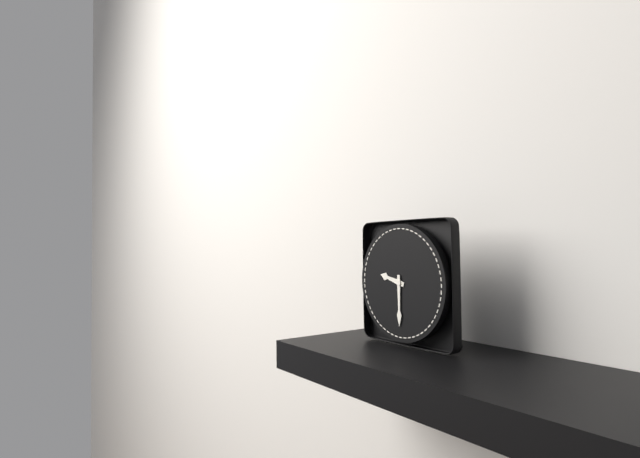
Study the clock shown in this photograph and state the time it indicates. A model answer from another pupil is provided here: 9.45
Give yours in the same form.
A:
9.30
